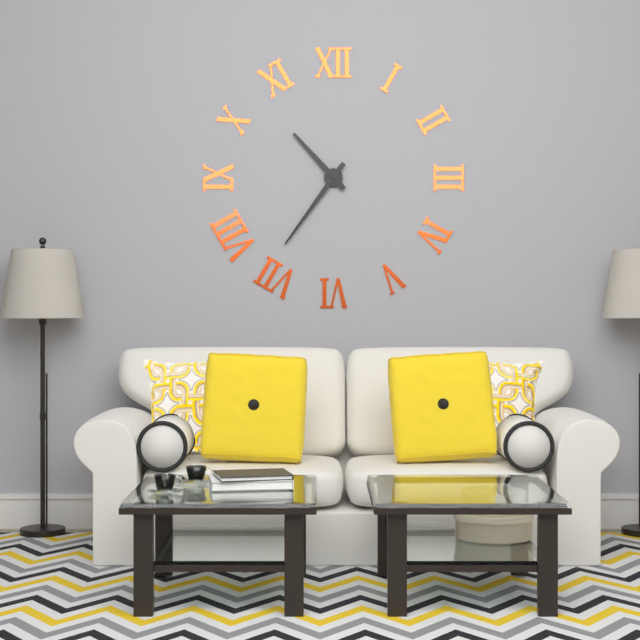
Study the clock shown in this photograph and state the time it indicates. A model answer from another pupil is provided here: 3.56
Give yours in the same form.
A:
10.36
